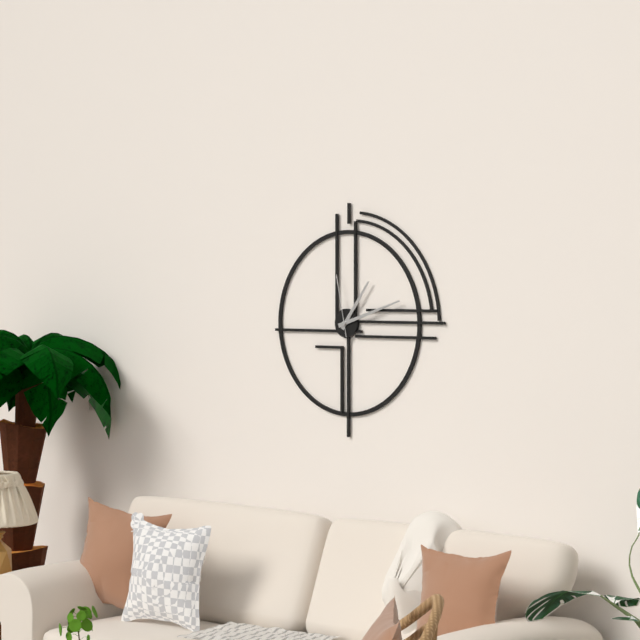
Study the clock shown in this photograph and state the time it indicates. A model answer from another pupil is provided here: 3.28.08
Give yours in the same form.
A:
1.12.58
